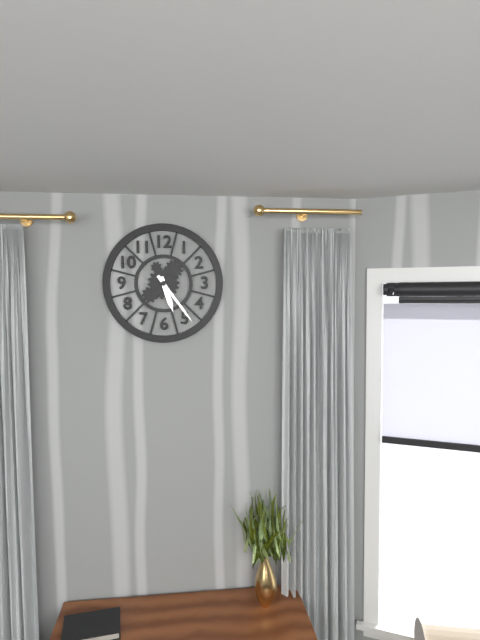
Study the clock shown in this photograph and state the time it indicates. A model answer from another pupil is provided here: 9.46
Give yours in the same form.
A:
5.24
